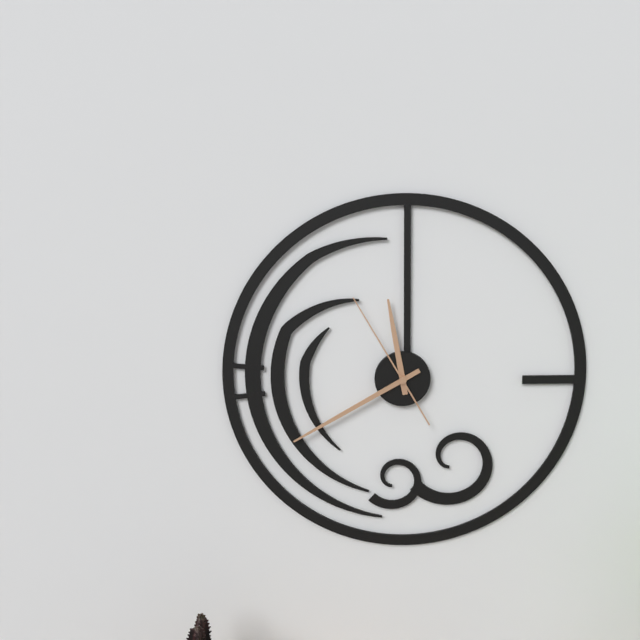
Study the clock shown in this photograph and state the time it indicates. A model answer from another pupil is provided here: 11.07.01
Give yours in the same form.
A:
11.40.55
